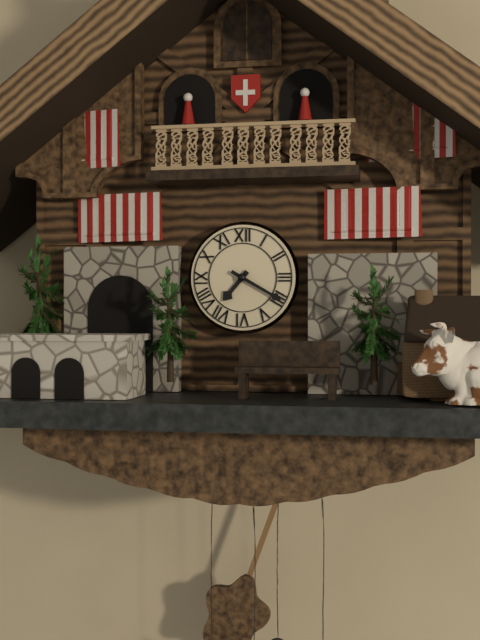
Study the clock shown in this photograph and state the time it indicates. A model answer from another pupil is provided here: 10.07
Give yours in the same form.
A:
7.20
